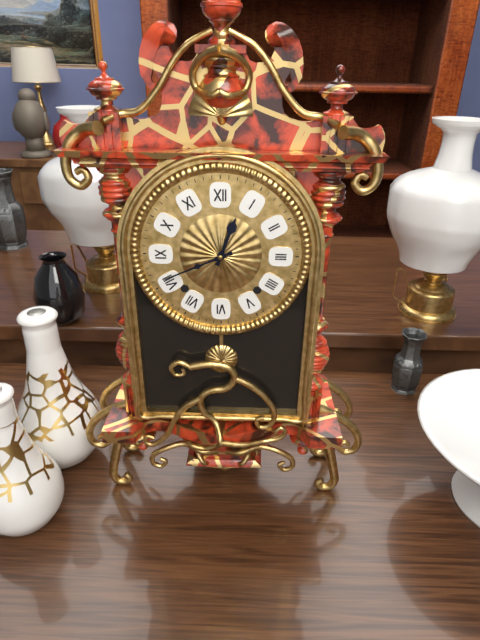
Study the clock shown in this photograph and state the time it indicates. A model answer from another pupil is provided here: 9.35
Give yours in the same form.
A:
12.41
